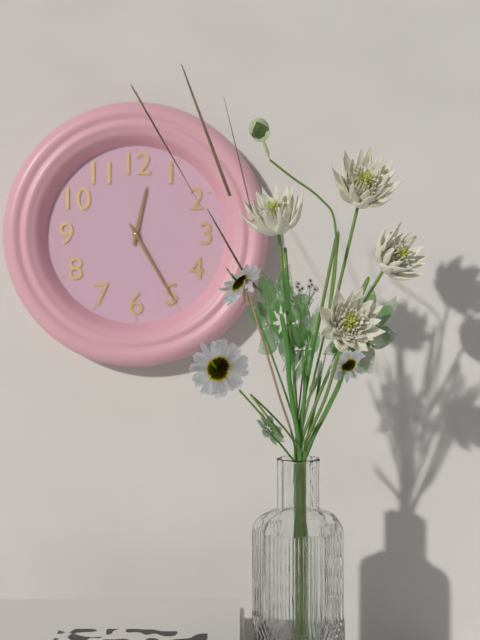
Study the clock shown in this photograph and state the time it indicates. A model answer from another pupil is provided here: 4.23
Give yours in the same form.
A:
12.25
